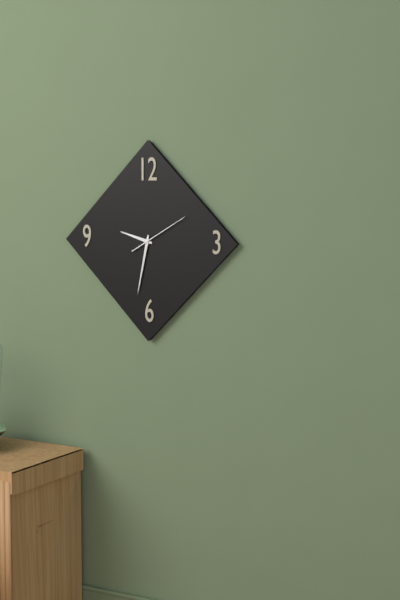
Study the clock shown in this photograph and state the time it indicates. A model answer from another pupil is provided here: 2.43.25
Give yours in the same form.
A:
9.32.10
